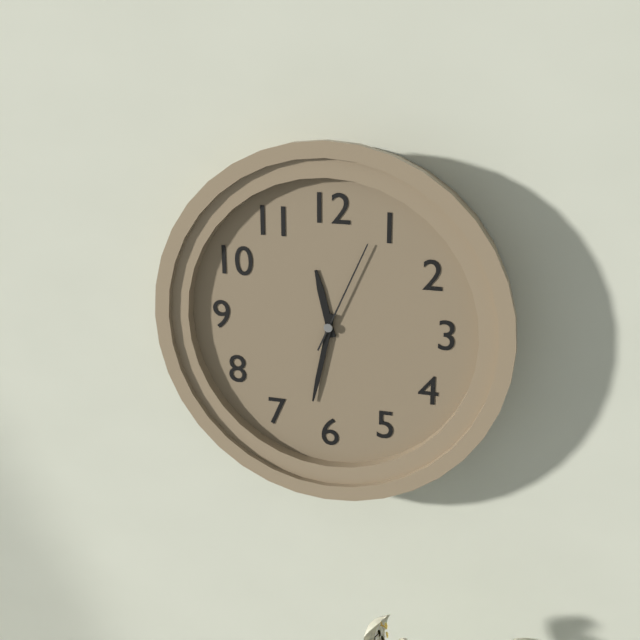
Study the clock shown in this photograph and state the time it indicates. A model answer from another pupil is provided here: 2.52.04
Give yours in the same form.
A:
11.32.04
